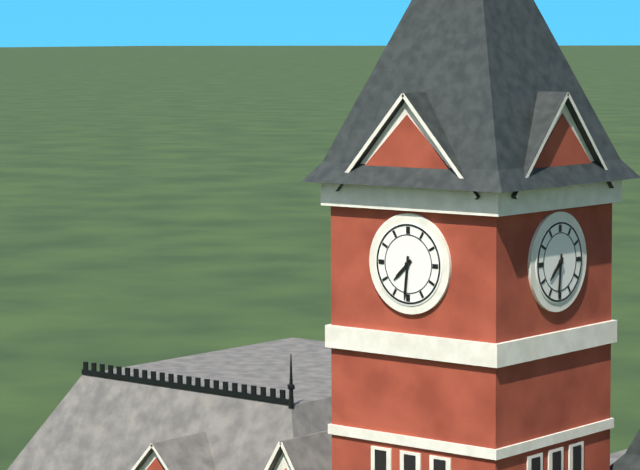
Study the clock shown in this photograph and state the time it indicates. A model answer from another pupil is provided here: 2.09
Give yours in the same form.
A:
7.31
